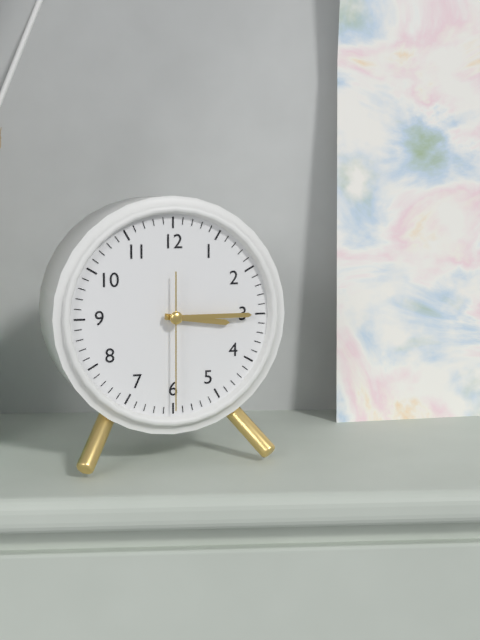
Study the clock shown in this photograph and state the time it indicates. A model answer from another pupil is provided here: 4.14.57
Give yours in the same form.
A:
3.15.30
